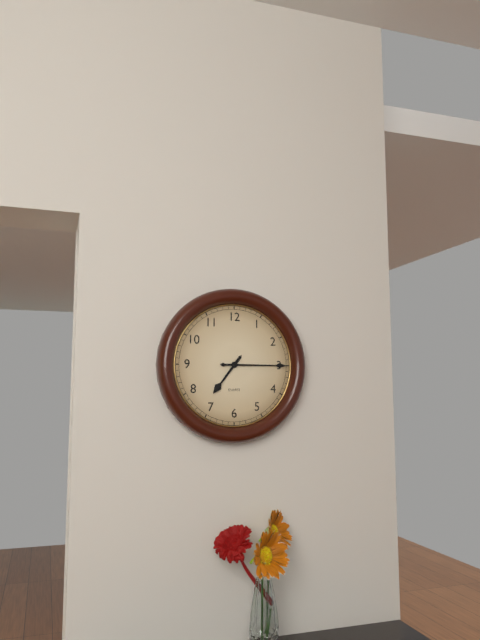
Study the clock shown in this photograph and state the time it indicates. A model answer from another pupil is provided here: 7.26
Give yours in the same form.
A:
7.15
